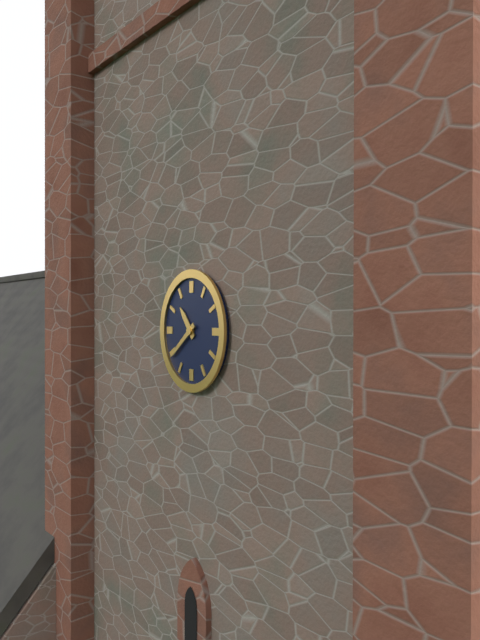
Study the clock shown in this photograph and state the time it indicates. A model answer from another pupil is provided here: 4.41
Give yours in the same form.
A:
10.39
